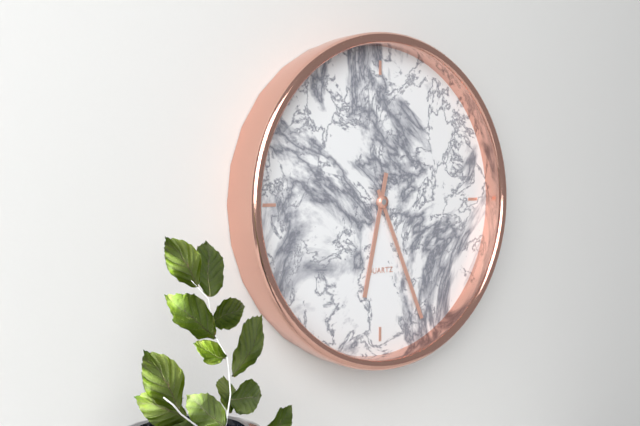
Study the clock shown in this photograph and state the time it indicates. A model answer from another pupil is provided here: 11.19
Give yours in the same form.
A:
6.26
